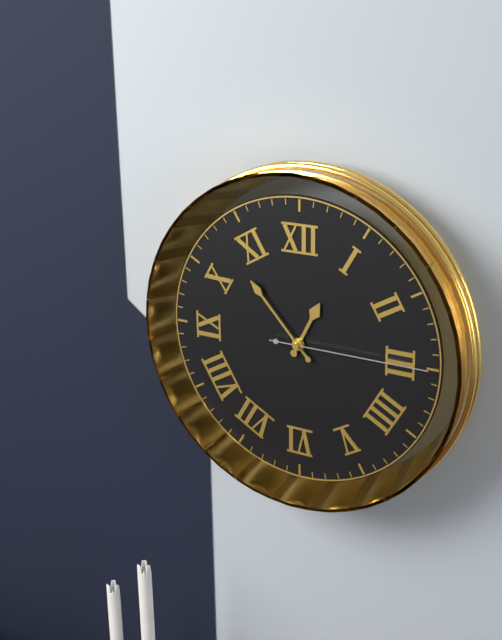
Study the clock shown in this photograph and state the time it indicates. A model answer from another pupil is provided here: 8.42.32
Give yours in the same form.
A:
12.53.15
